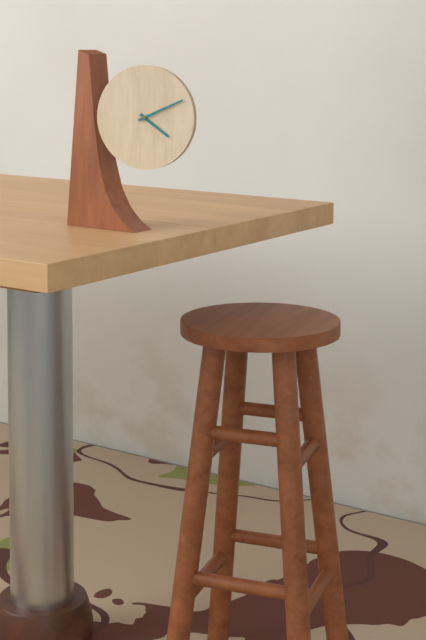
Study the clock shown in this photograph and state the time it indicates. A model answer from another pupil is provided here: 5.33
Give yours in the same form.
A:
4.11
